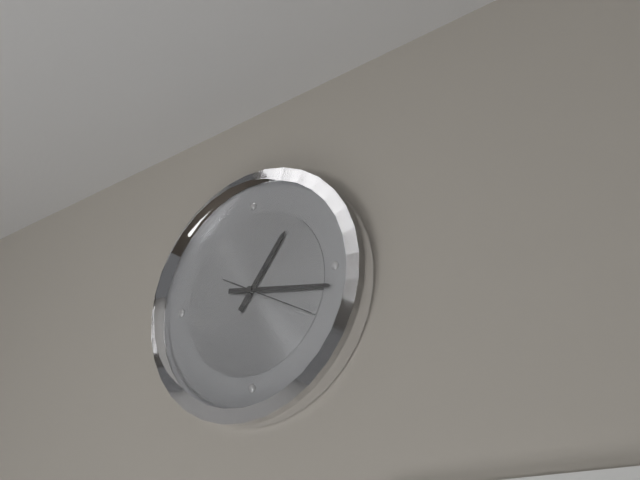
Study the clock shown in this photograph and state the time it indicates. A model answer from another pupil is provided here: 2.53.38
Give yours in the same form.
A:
1.17.20
